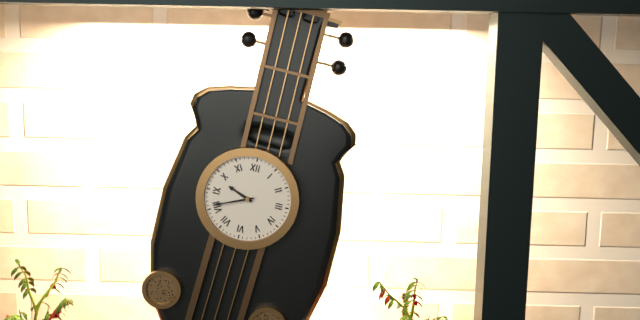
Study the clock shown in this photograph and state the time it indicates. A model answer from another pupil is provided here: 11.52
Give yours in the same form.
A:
9.41
